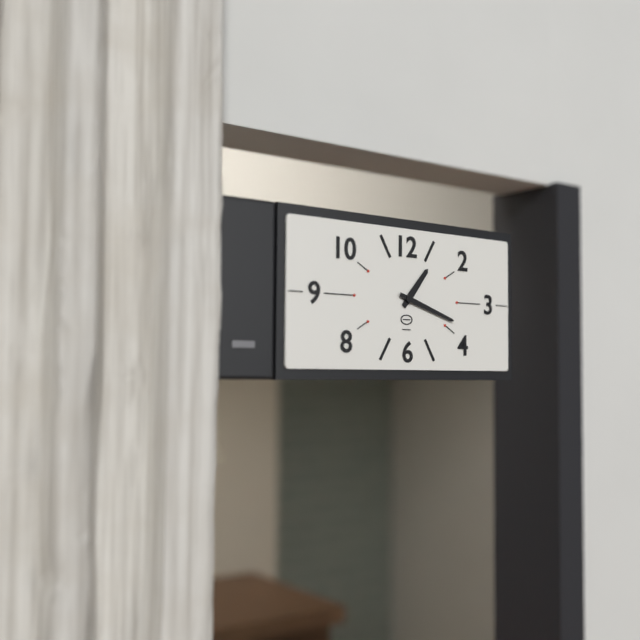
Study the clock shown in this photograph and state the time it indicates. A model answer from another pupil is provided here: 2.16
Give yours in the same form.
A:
1.18
